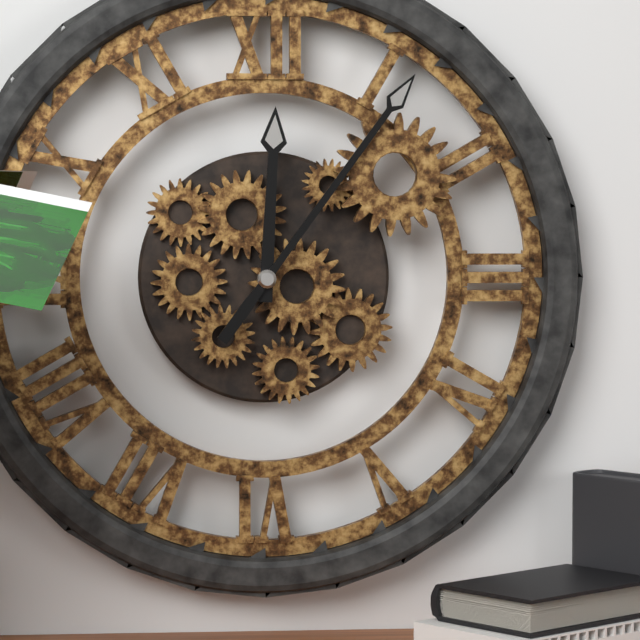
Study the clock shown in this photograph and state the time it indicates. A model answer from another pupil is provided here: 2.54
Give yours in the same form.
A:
12.06
